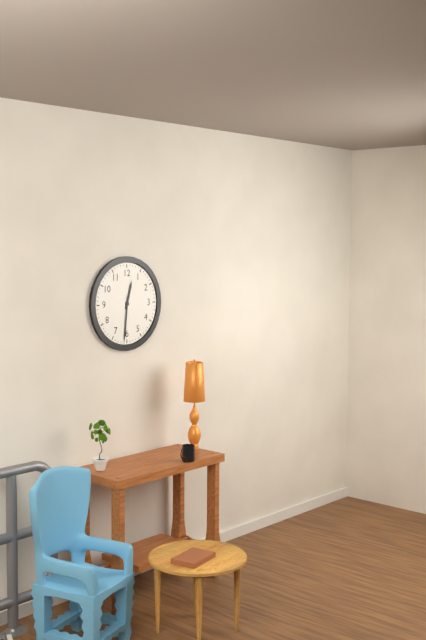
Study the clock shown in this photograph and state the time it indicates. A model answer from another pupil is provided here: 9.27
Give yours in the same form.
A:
12.31
